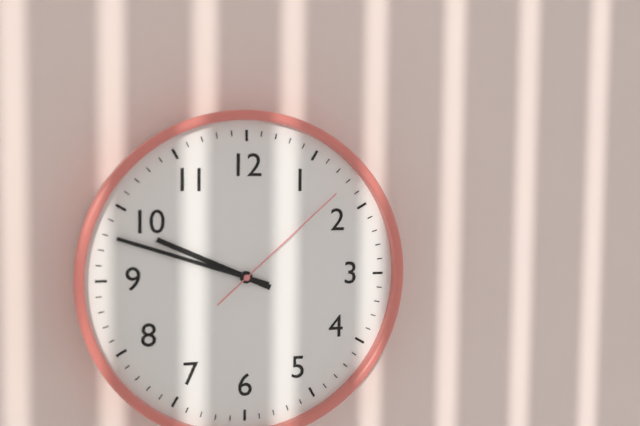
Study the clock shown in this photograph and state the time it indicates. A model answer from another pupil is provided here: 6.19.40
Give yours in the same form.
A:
9.48.08
